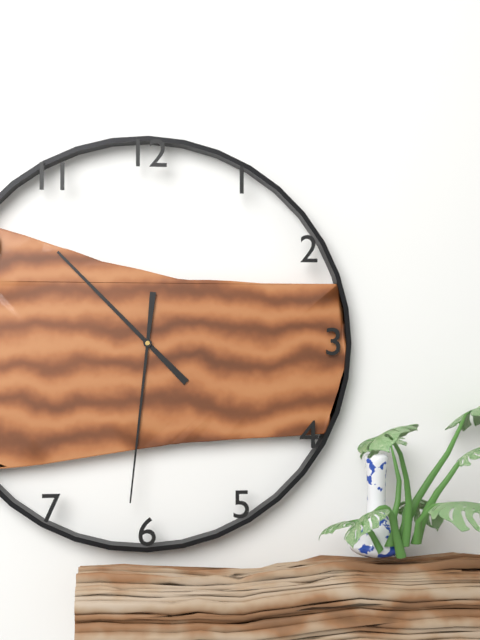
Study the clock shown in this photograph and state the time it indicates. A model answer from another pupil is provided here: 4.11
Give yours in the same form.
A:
10.31
